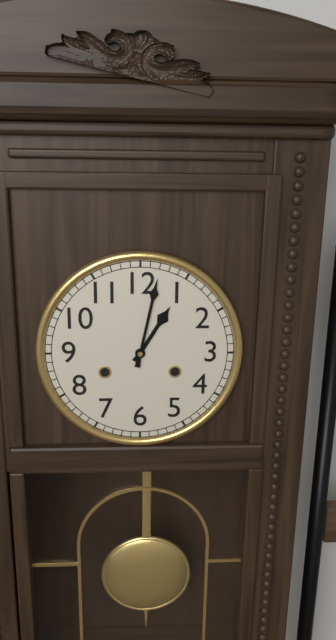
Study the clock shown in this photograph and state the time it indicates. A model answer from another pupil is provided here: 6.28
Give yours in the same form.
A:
1.02
